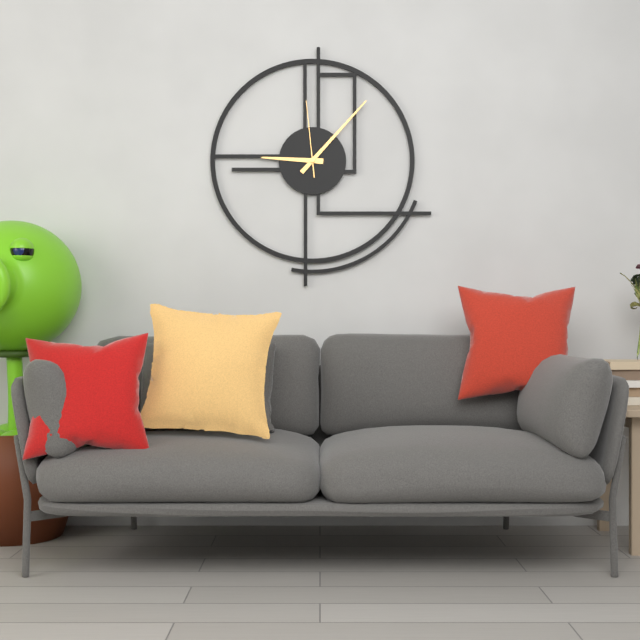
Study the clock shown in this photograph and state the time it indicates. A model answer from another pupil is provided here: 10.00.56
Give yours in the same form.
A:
9.07.59
